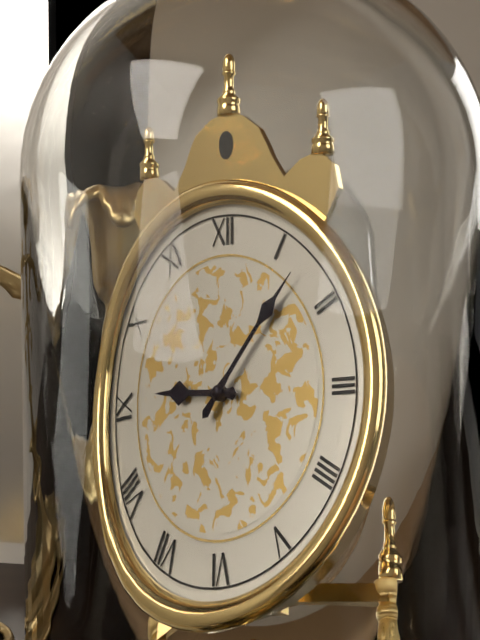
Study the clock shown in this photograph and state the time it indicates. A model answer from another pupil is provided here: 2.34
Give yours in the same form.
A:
9.07
